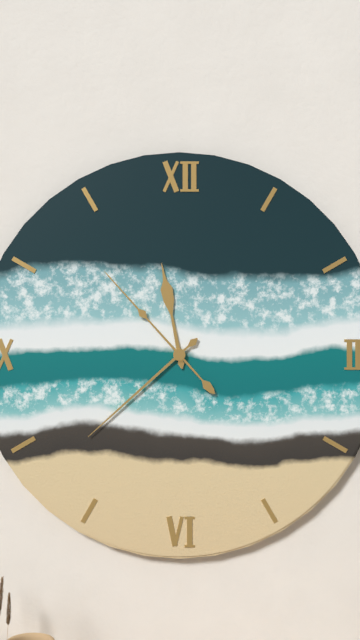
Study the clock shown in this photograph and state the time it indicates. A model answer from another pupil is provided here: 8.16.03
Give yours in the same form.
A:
11.38.53
